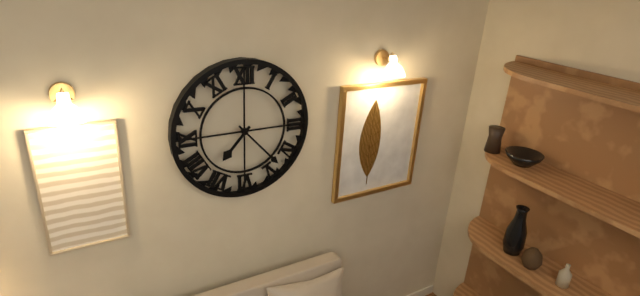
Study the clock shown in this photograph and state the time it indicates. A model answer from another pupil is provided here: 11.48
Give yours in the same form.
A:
7.23
